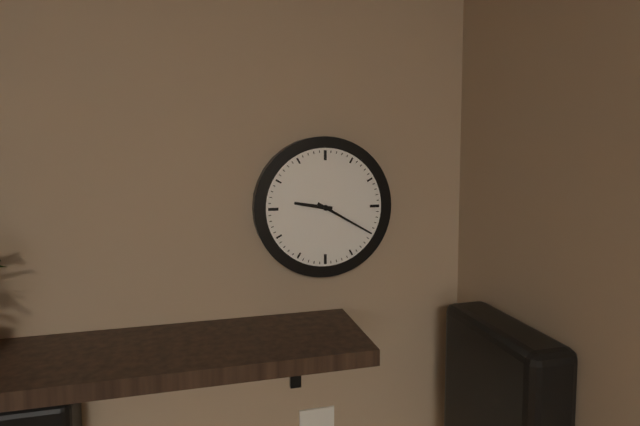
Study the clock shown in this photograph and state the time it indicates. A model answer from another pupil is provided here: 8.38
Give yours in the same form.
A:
9.20
